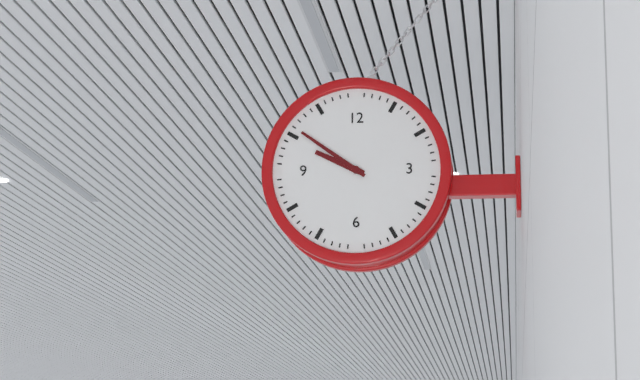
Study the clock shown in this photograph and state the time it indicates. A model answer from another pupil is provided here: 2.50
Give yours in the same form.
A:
9.51
